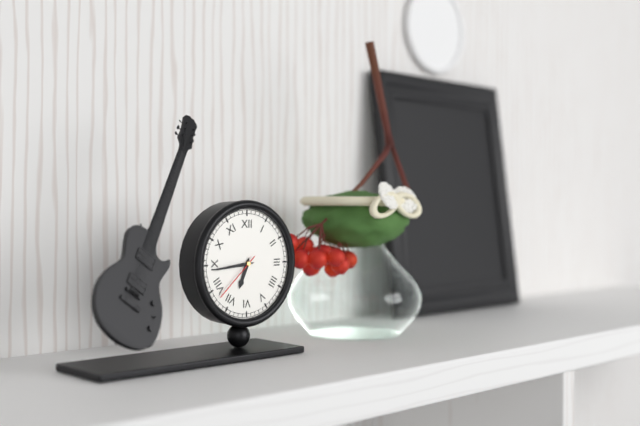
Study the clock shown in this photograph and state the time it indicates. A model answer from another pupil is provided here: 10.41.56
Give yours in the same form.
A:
6.44.38
